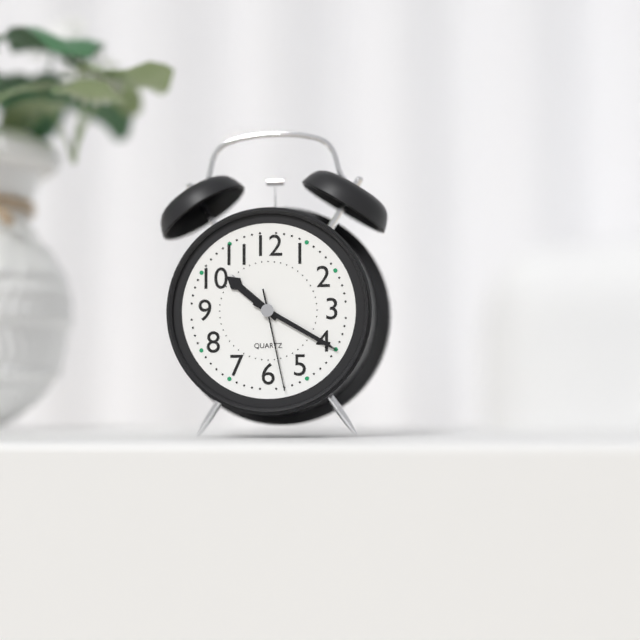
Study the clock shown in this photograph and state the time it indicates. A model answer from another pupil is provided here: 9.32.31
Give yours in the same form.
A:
10.20.28
